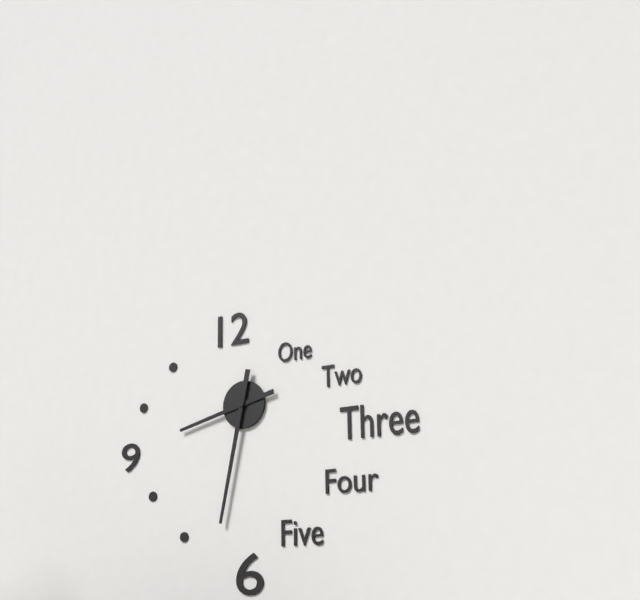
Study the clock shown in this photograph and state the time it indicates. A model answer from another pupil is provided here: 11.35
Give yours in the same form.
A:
8.32
